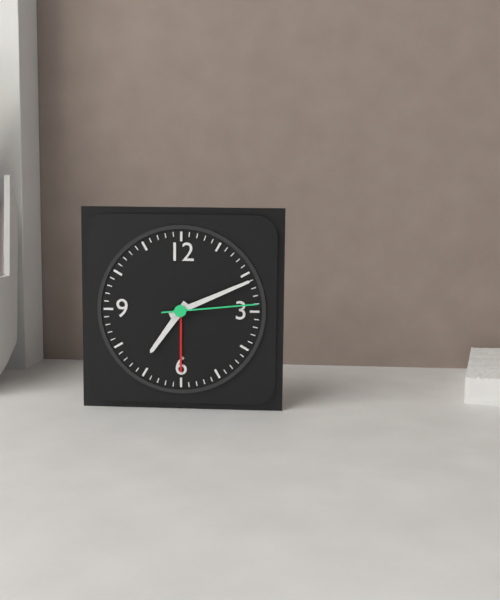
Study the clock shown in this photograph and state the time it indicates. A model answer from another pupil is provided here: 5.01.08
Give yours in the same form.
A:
7.11.14
